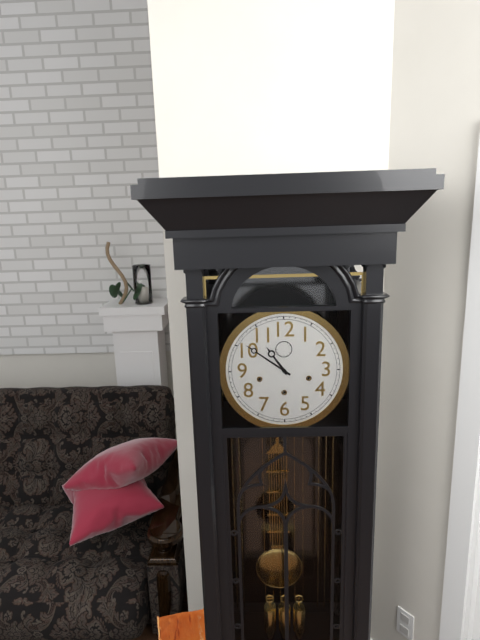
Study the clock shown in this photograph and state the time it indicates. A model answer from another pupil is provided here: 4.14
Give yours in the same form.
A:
10.51
